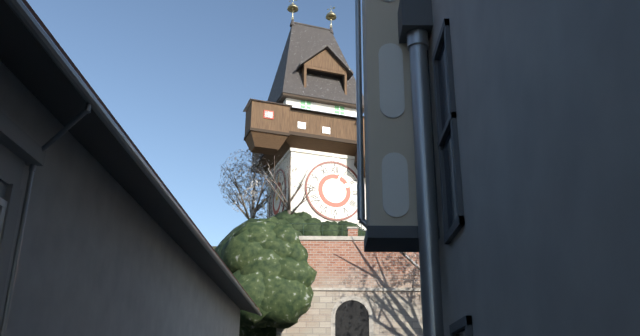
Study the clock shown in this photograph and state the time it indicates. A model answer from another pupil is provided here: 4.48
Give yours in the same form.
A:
2.03
